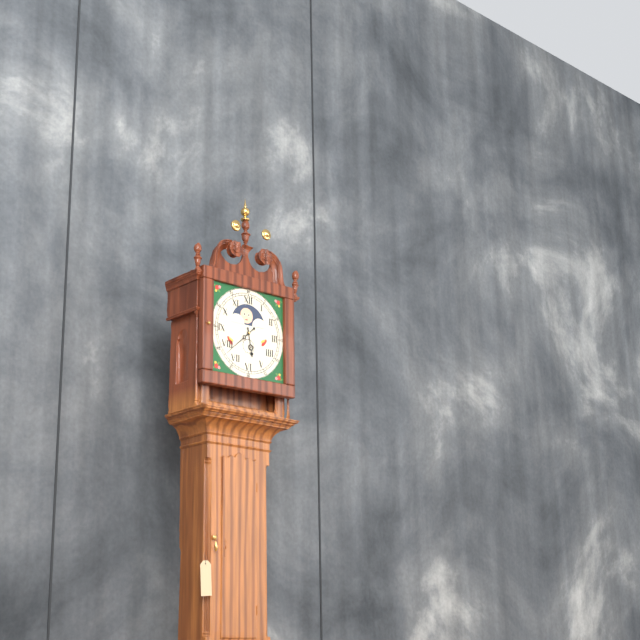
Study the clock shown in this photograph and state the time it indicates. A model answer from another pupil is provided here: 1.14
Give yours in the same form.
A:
5.38
